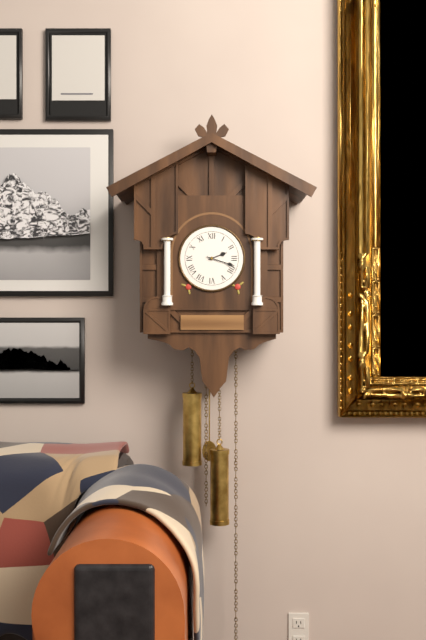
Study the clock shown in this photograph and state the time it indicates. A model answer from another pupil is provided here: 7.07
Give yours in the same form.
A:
2.18
